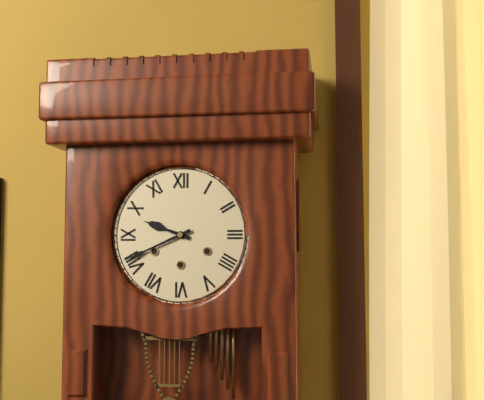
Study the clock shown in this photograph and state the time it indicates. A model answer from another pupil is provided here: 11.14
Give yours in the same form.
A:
9.41
